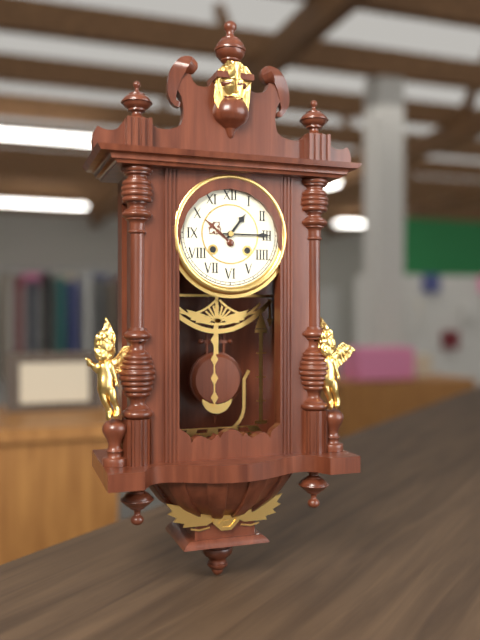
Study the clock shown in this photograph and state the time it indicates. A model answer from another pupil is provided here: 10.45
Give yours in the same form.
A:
1.15
